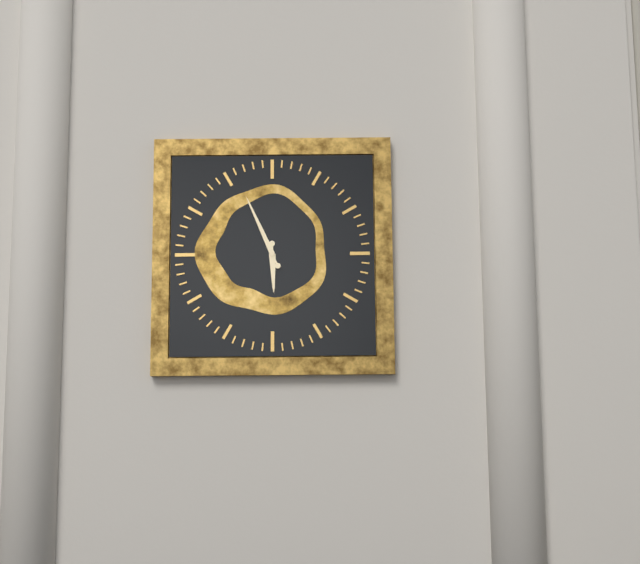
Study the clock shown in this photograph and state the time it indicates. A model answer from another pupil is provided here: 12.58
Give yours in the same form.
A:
5.56
